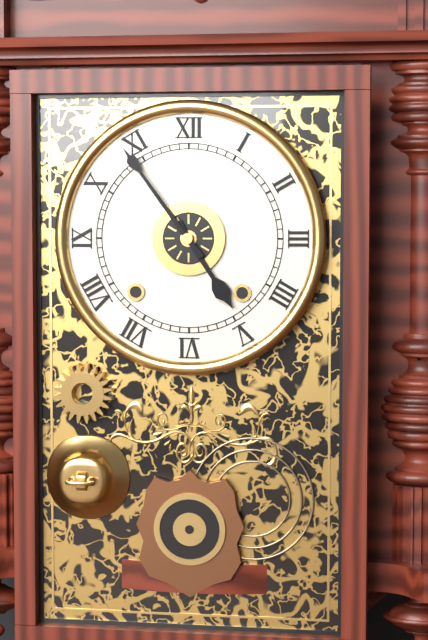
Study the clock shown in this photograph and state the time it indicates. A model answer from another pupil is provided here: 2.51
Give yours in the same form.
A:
4.54
